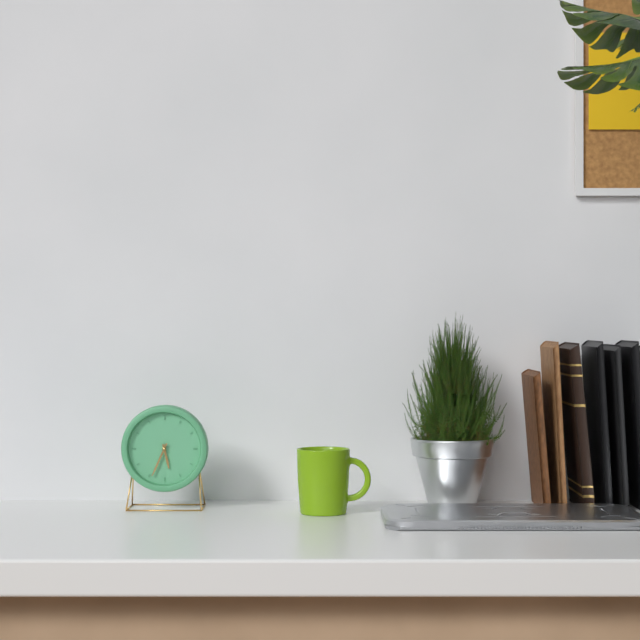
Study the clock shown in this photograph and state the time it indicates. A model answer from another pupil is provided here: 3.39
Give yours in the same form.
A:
5.34
